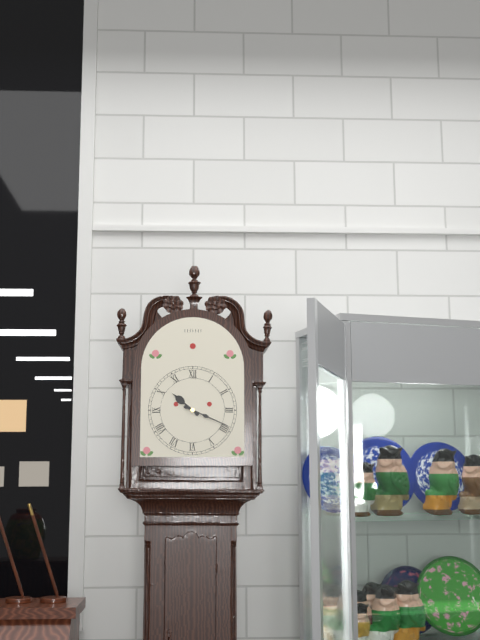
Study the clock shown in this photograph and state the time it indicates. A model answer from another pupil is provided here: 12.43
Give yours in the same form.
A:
10.19
